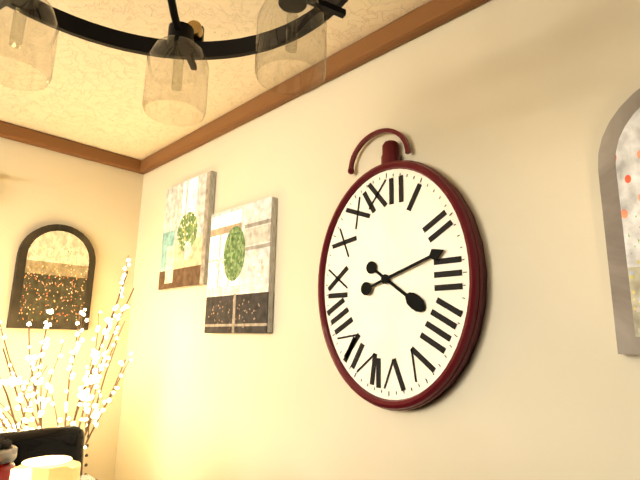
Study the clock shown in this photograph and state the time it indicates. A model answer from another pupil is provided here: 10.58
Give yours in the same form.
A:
4.12
